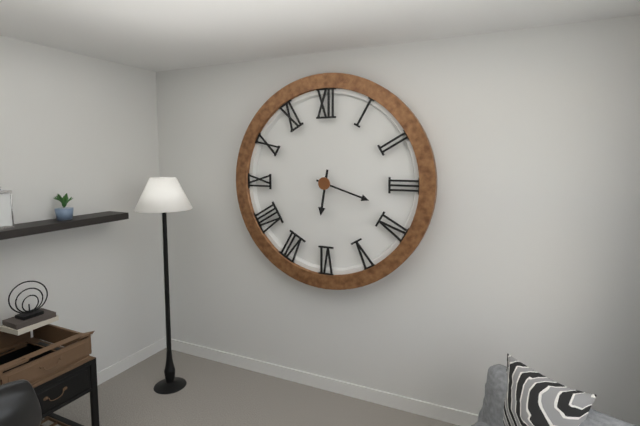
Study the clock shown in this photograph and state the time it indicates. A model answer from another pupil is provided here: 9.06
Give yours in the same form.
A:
6.18
